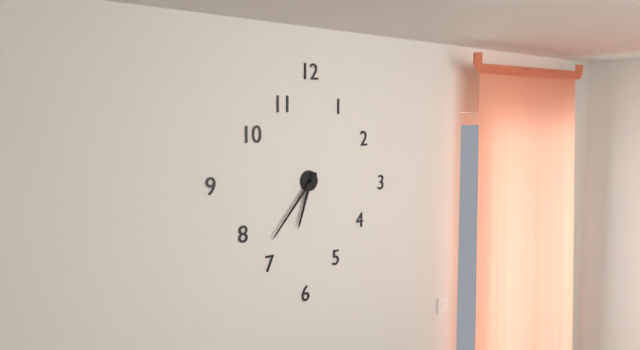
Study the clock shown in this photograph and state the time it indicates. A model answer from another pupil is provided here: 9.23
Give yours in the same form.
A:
6.37
